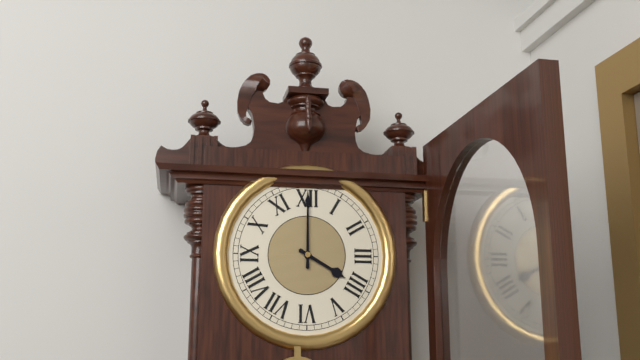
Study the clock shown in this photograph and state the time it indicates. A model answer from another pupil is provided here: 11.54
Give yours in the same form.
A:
4.00
